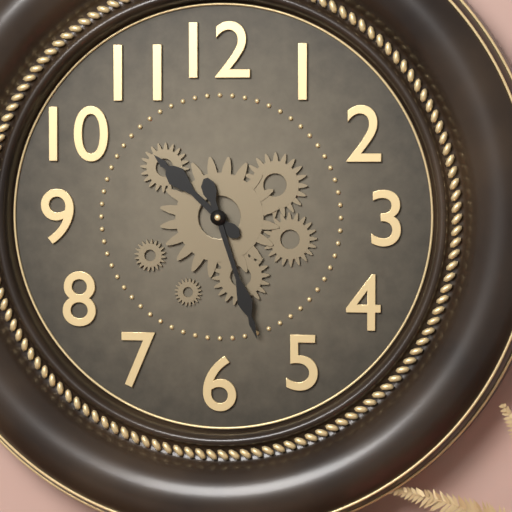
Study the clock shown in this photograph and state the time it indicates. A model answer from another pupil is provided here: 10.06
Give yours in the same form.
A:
10.27
